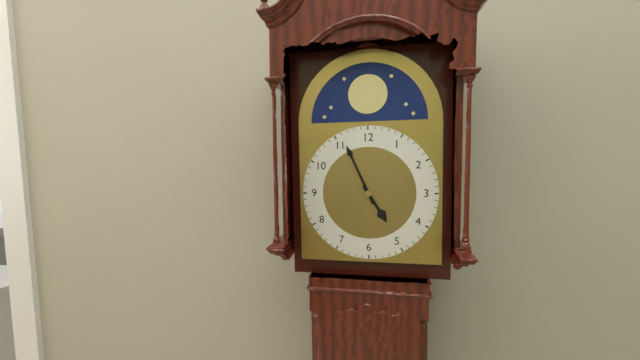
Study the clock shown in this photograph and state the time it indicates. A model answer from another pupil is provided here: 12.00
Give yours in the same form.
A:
4.56
